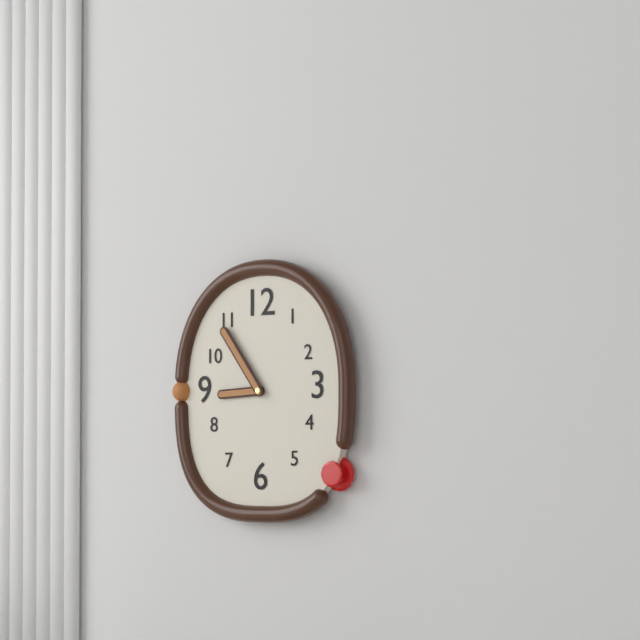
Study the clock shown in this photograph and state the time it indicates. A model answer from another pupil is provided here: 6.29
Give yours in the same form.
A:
8.54
